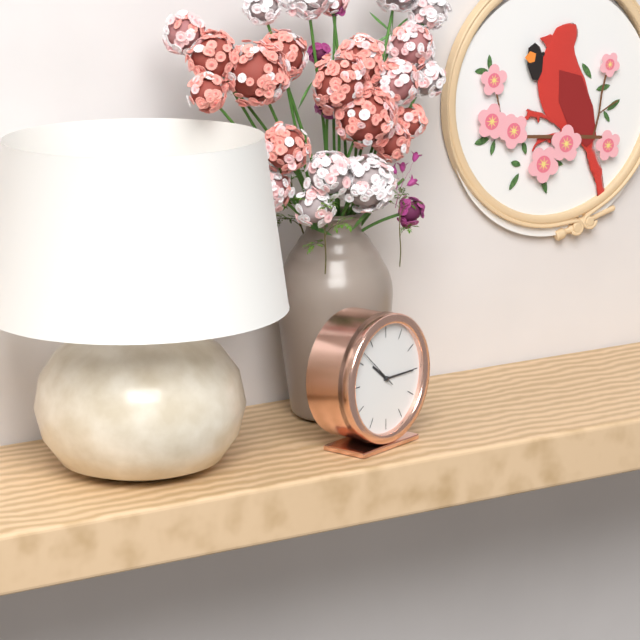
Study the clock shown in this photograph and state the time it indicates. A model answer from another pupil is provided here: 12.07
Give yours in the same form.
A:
10.15
